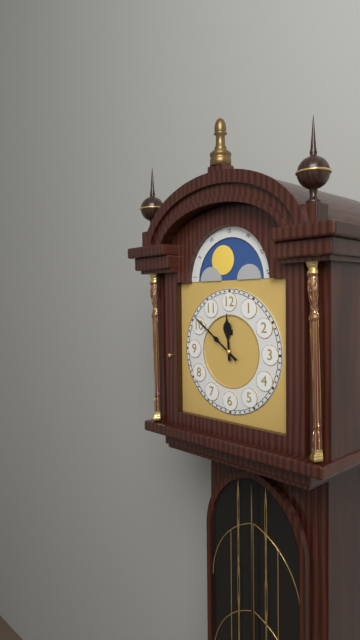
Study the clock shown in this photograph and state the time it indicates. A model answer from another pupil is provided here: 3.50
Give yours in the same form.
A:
11.51
